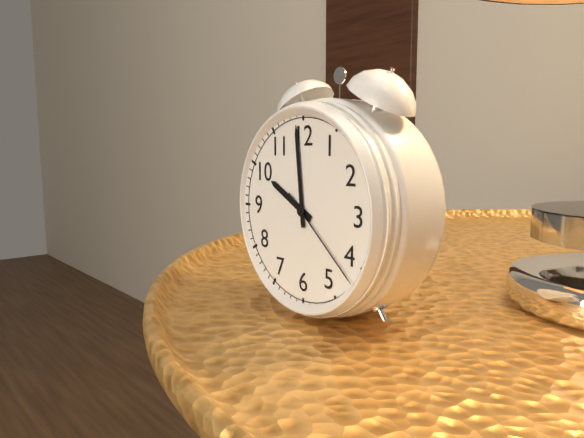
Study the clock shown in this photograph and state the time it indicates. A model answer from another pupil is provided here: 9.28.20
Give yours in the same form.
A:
9.59.22
